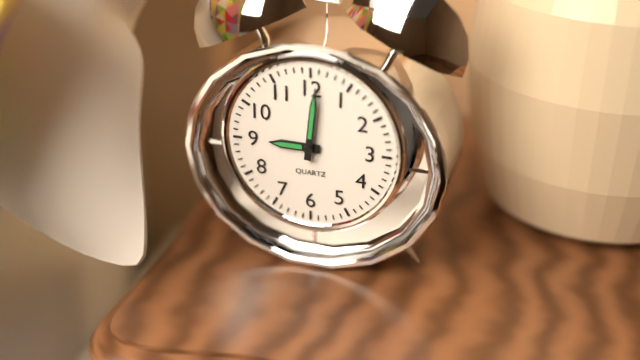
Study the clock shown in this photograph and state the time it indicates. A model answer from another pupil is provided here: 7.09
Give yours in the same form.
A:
9.01
